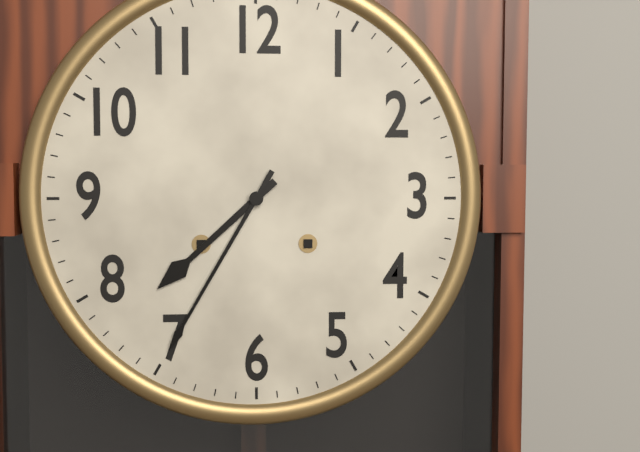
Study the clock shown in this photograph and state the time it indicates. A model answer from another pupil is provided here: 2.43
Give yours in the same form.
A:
7.35
